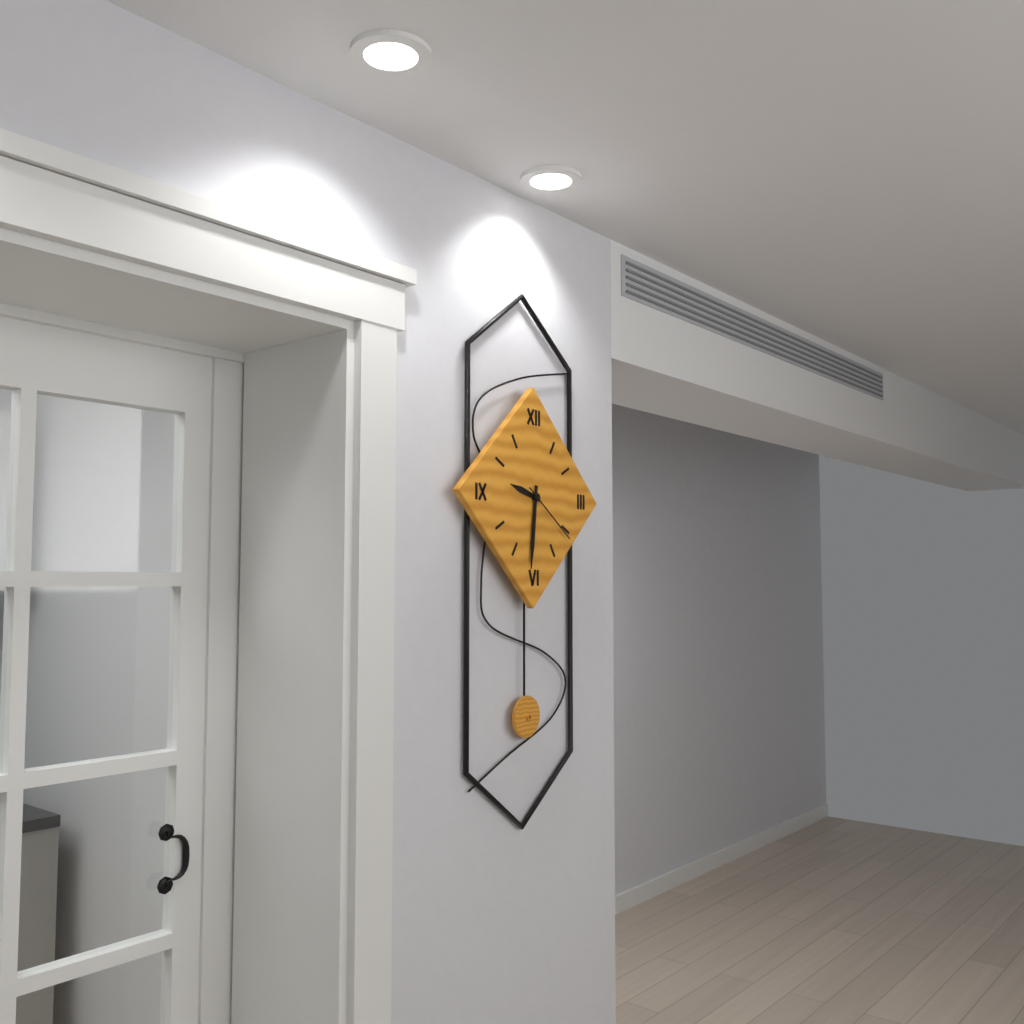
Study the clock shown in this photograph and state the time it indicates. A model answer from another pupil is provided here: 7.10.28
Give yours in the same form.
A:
9.31.21
